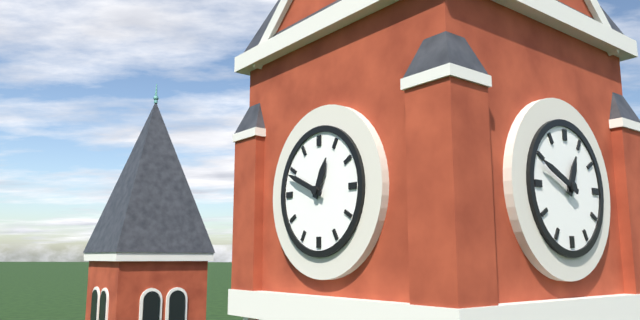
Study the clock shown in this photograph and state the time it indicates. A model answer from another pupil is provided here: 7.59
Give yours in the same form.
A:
12.49
